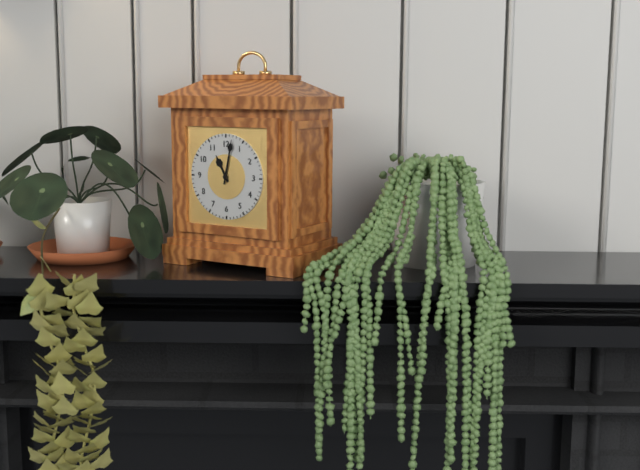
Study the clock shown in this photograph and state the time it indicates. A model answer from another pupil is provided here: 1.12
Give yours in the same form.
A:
11.02
